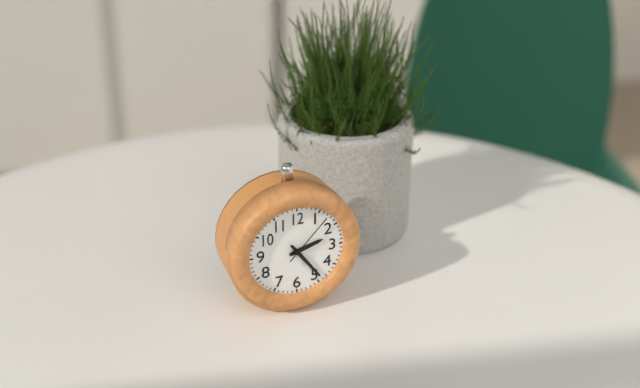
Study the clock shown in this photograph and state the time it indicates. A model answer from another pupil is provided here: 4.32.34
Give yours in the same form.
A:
2.24.07
